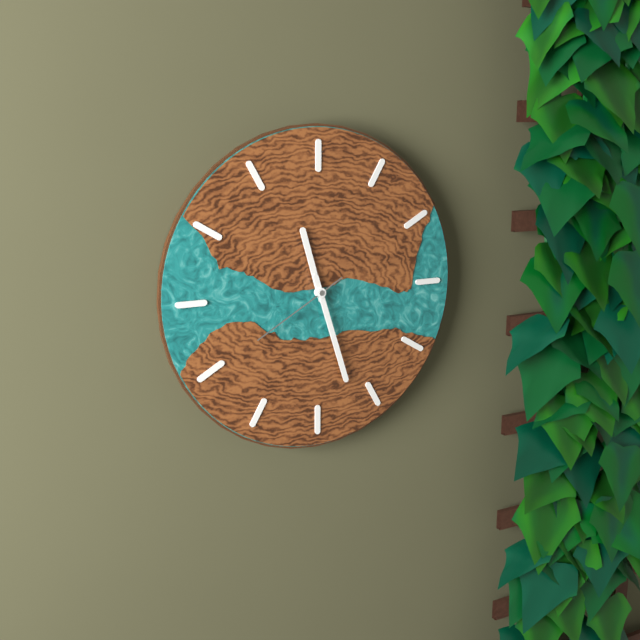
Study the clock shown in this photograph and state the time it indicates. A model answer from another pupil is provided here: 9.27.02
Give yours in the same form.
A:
11.27.40
